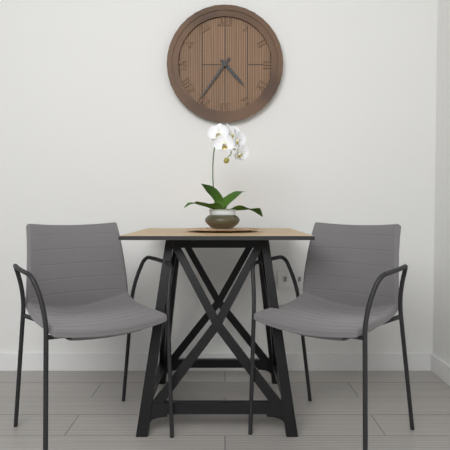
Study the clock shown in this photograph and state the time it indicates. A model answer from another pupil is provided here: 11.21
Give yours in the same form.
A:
4.36
